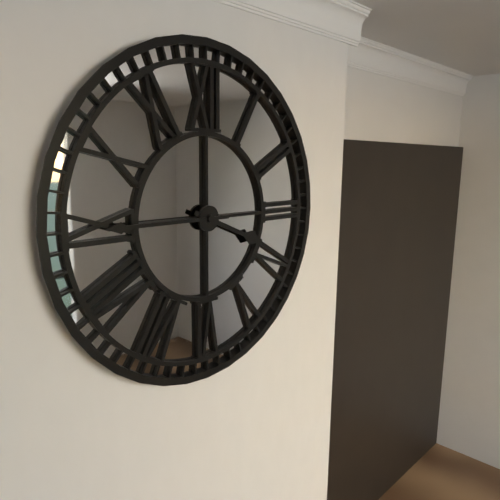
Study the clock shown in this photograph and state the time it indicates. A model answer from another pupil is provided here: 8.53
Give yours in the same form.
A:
3.45
